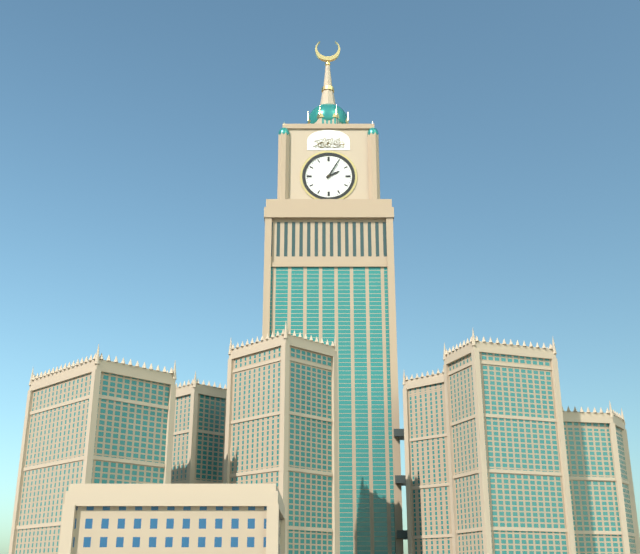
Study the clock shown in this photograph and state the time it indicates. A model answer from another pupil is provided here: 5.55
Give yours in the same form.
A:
2.05
